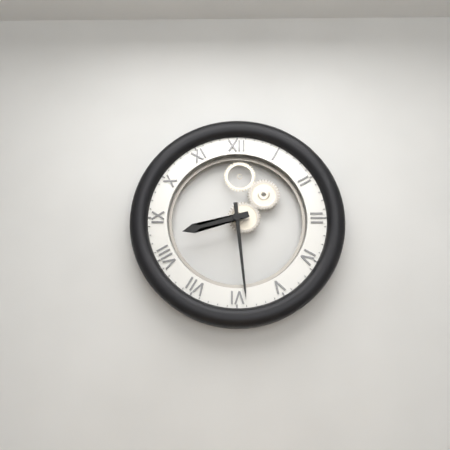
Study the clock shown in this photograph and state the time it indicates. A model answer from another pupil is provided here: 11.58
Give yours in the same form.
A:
8.29
